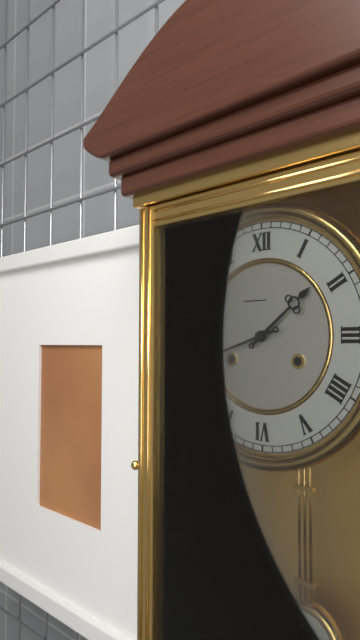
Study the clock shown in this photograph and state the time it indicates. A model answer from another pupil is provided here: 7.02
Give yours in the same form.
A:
1.42
